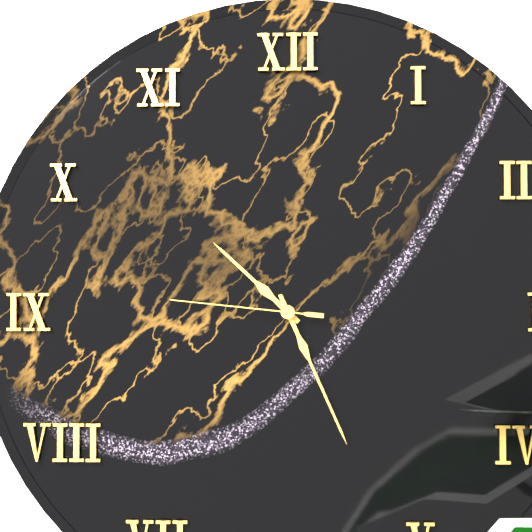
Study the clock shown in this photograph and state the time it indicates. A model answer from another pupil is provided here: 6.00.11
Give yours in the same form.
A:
10.26.46
